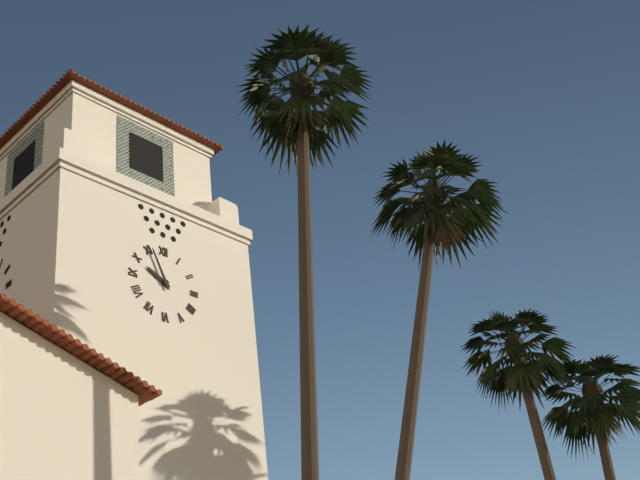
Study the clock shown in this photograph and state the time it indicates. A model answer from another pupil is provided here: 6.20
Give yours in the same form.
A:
9.56
